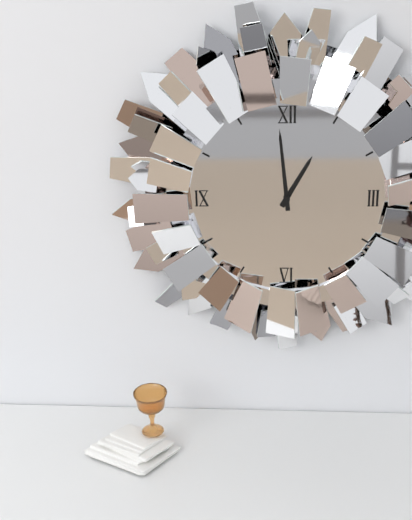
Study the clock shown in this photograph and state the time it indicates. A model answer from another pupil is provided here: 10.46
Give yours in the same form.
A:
12.59
